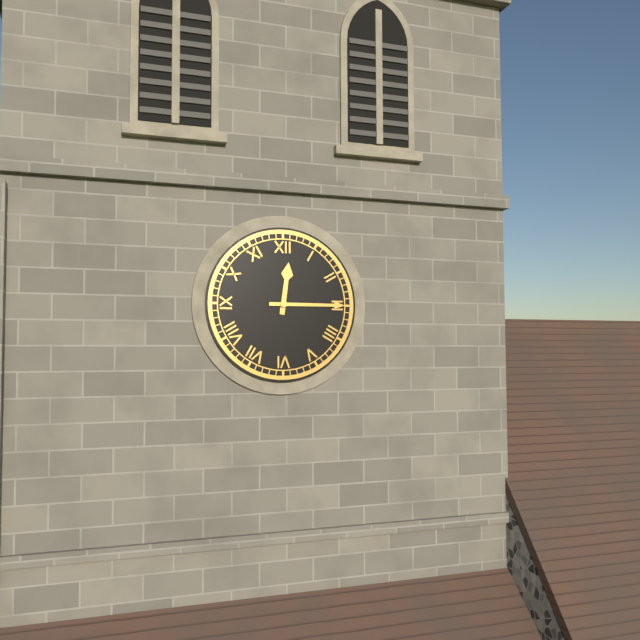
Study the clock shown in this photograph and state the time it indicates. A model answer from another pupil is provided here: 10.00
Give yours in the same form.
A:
12.15
